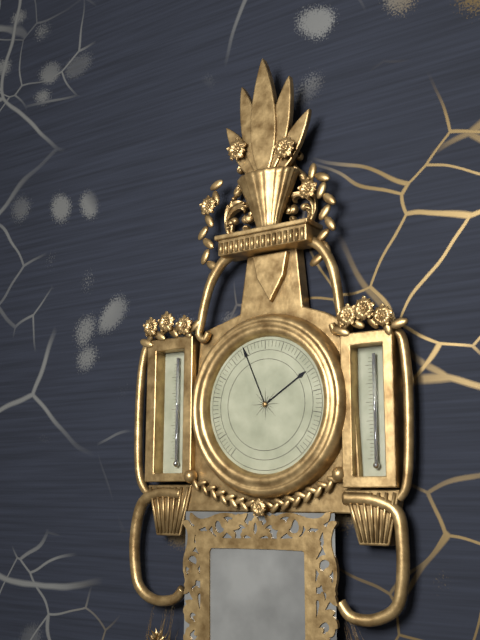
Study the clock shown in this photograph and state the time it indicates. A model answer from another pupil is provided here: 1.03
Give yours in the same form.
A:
1.56
